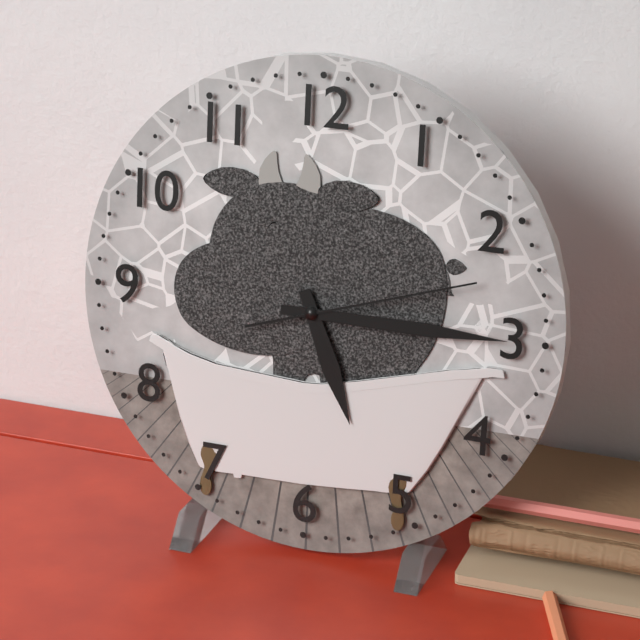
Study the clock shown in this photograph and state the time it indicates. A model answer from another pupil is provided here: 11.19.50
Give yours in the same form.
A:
5.15.12
